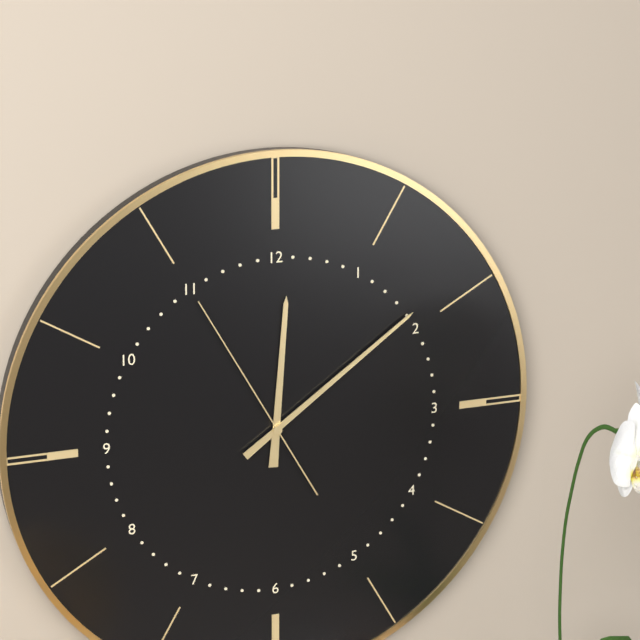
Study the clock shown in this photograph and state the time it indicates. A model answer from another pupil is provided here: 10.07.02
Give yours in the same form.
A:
12.09.55
